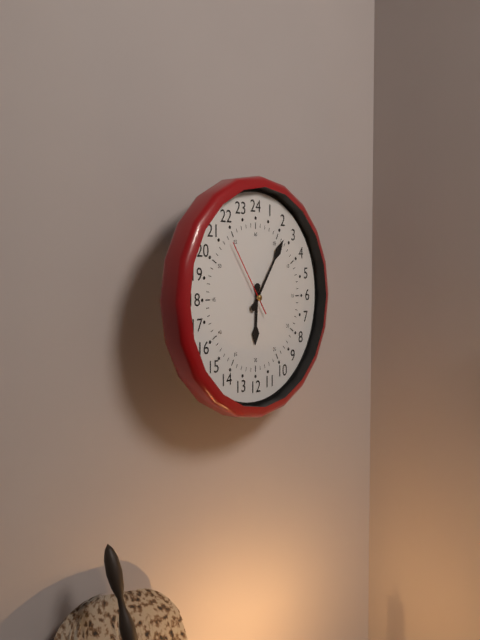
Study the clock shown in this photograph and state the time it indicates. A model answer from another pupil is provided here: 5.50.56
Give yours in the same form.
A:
6.06.54
